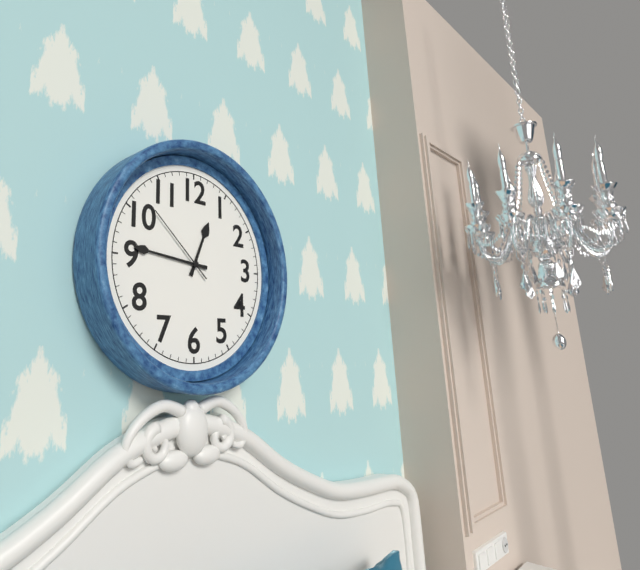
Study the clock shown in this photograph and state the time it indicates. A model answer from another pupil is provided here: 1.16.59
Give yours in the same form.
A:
12.46.52
